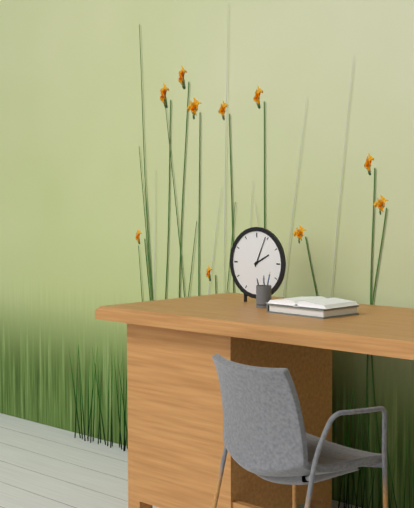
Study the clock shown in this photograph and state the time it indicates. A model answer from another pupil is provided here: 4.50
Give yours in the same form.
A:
2.04
